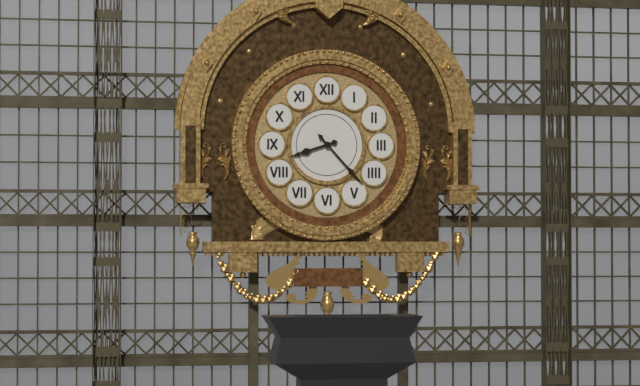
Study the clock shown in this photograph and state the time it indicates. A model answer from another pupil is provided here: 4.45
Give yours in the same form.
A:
8.23
